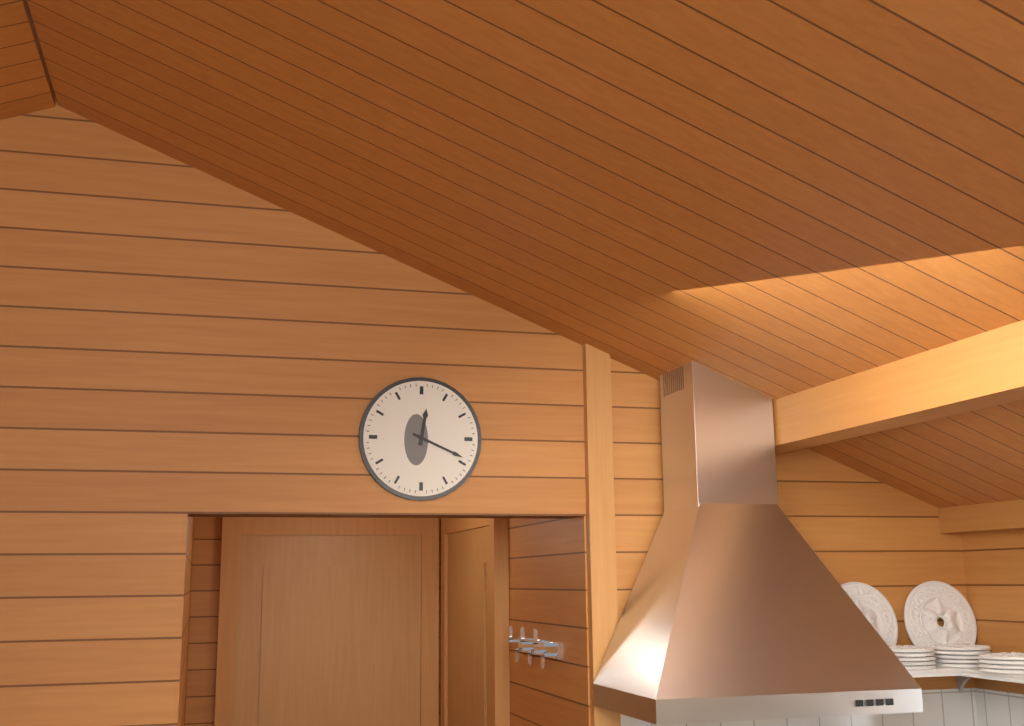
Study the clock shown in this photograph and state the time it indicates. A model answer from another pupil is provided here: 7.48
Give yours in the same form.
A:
12.19
